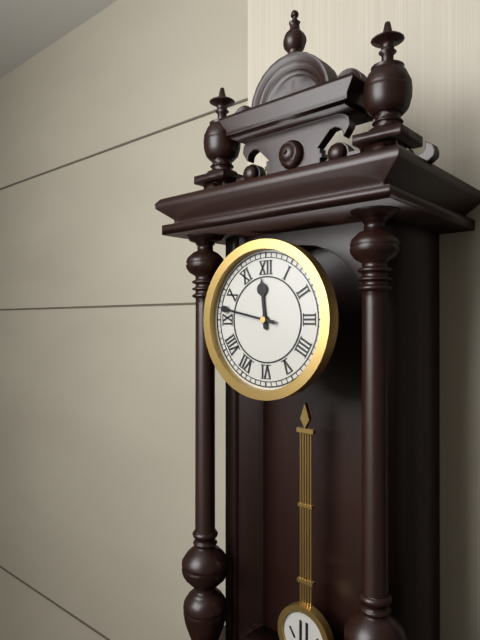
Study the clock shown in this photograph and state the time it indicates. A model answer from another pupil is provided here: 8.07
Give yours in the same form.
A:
11.47
